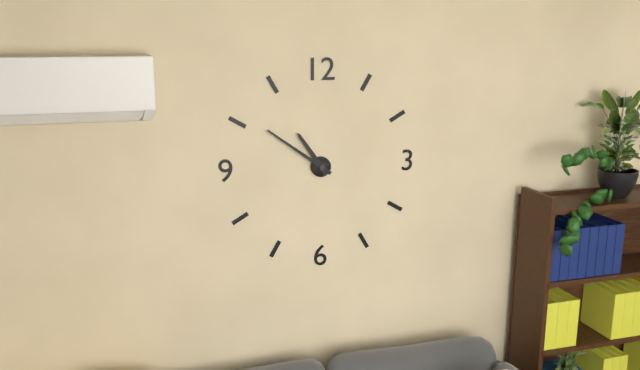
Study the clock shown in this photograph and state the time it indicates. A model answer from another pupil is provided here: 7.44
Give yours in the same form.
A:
10.51
